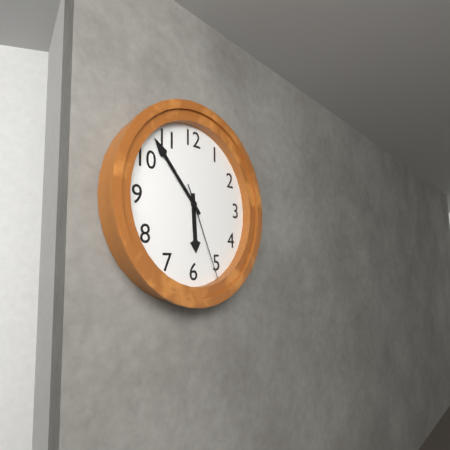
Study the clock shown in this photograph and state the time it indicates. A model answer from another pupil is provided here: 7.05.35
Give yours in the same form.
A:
5.53.26
